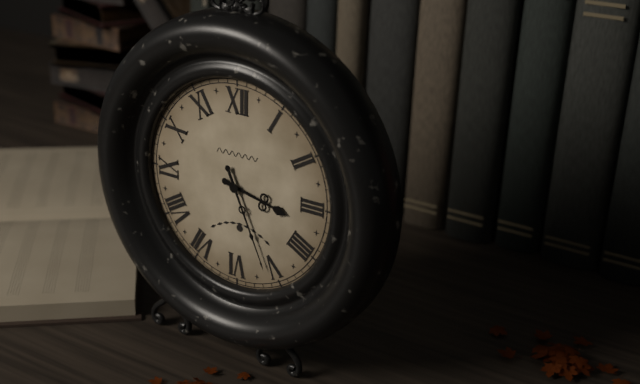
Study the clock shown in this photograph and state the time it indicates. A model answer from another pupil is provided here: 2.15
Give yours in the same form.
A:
3.26
